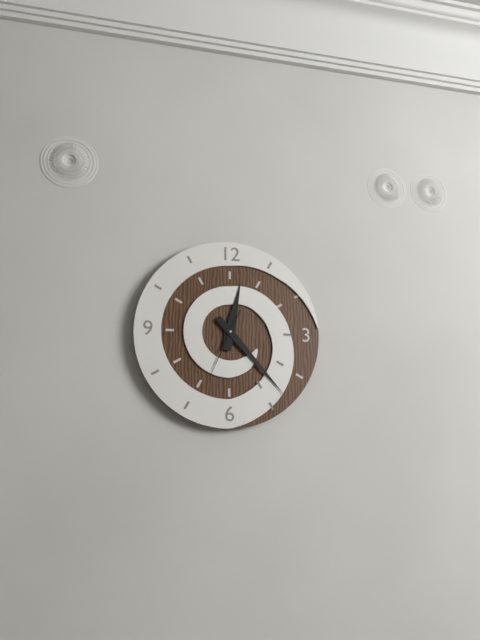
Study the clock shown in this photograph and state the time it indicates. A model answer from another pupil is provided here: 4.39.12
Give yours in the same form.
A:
12.23.34
